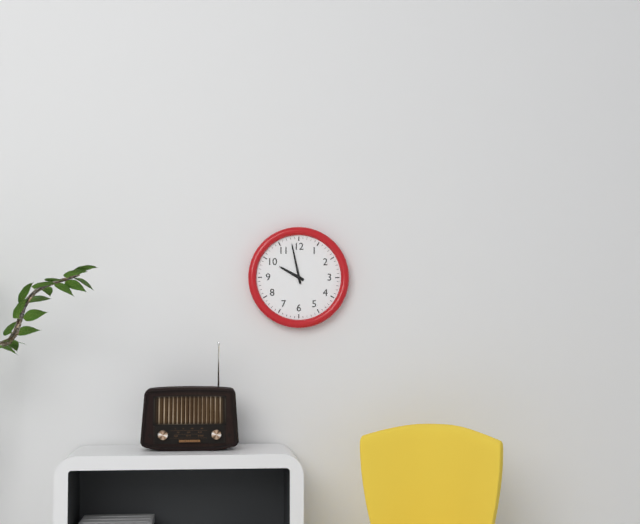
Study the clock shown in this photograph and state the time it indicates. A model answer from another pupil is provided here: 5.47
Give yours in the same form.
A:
9.58
